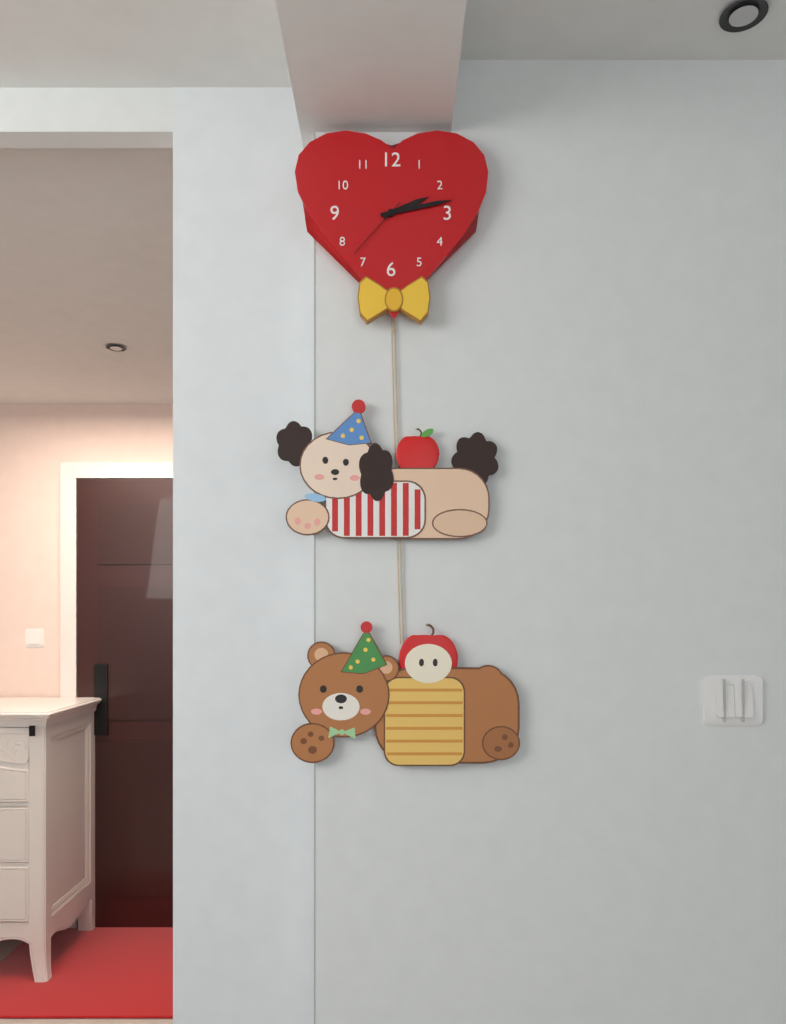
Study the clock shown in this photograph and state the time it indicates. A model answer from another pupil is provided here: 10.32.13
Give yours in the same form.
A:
2.13.37
